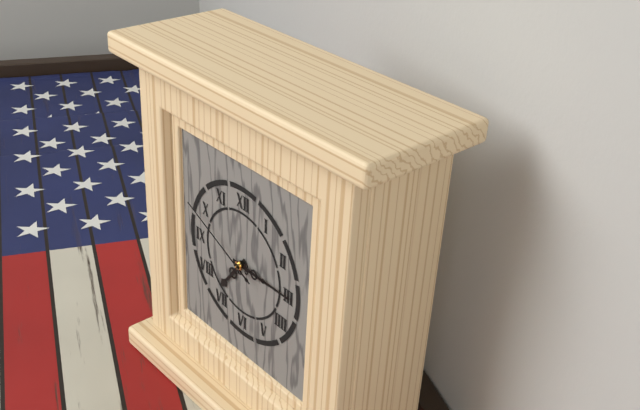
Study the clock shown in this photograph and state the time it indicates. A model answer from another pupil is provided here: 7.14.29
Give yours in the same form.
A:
7.15.49
